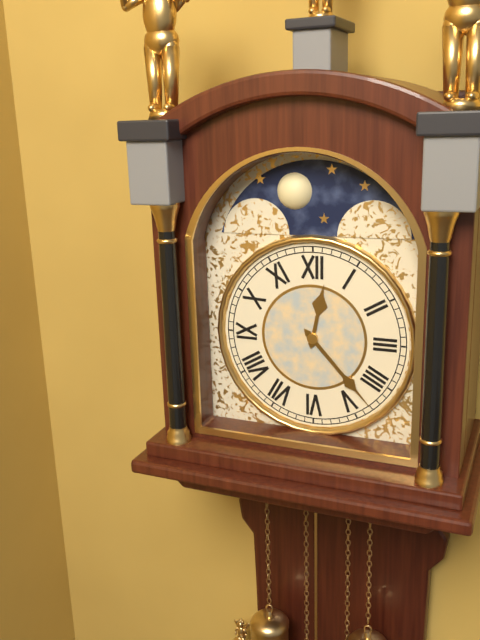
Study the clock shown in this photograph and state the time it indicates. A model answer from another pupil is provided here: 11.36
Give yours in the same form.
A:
12.23
